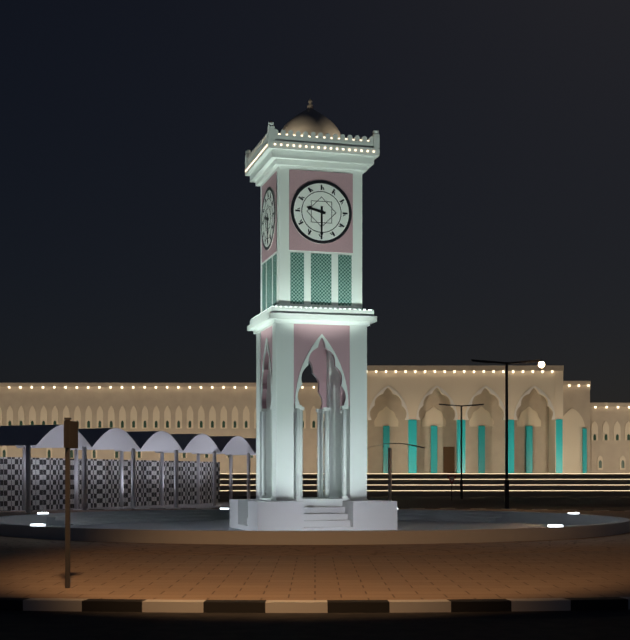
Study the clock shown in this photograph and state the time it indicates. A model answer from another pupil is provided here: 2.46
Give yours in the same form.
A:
9.30
